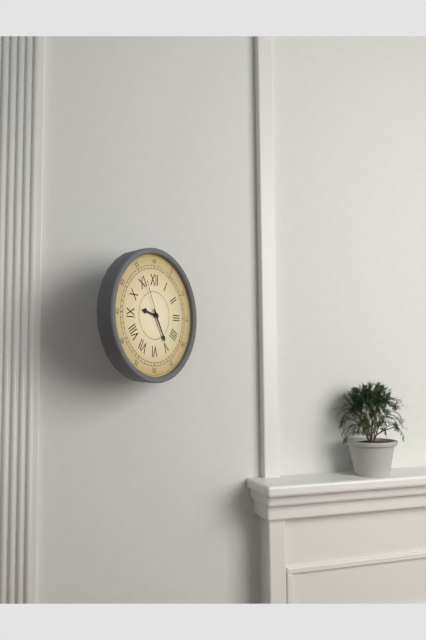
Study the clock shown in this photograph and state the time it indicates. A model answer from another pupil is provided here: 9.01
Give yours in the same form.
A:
9.25
